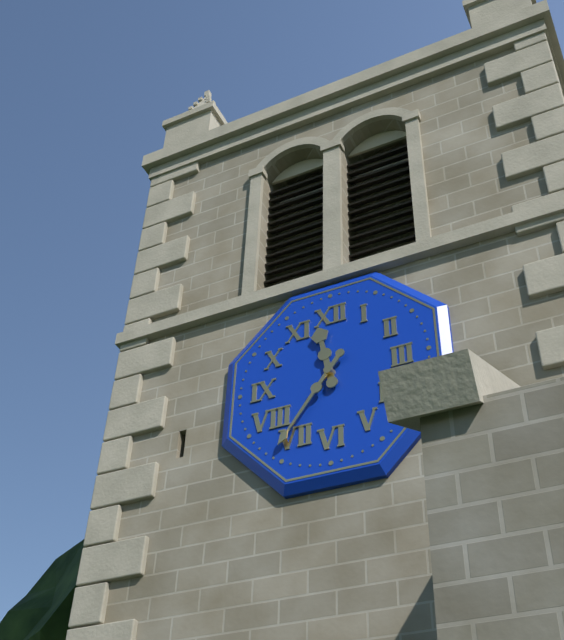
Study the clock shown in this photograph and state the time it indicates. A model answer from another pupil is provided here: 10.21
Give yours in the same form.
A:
11.36
